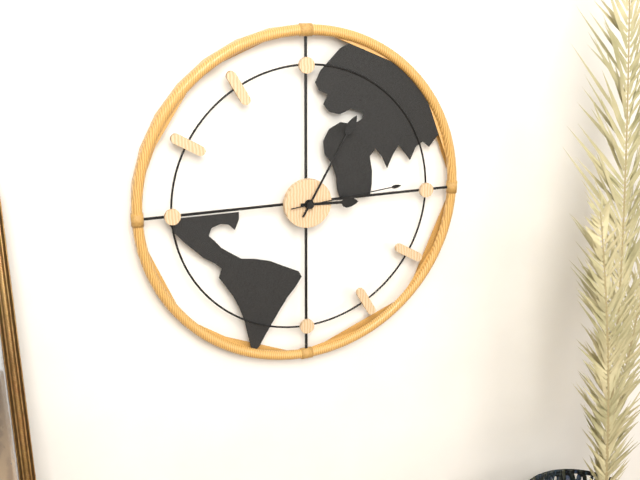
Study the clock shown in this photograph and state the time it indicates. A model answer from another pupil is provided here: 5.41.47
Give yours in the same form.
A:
3.05.14
